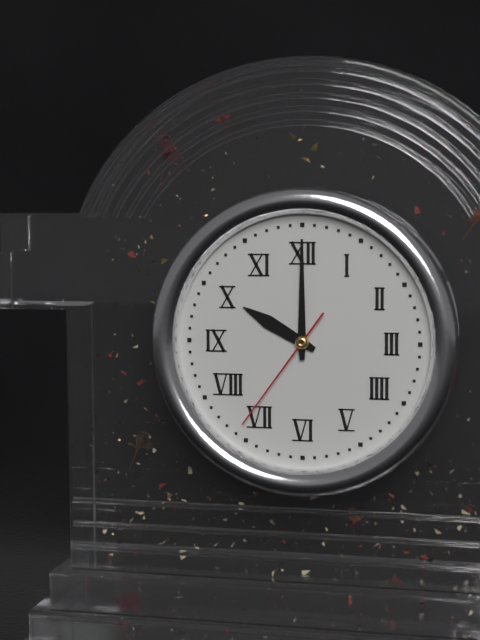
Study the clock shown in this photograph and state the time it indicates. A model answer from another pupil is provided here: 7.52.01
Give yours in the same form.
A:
10.00.36
